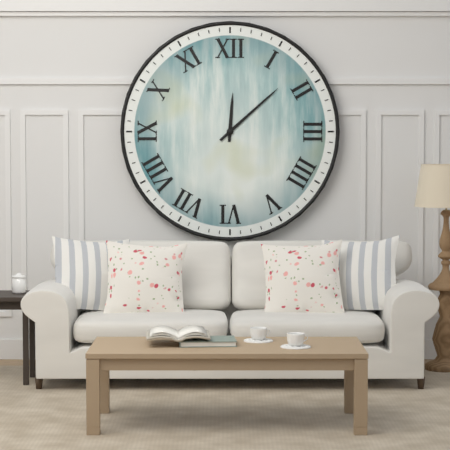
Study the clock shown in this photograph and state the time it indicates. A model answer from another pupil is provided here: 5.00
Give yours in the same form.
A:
12.08
